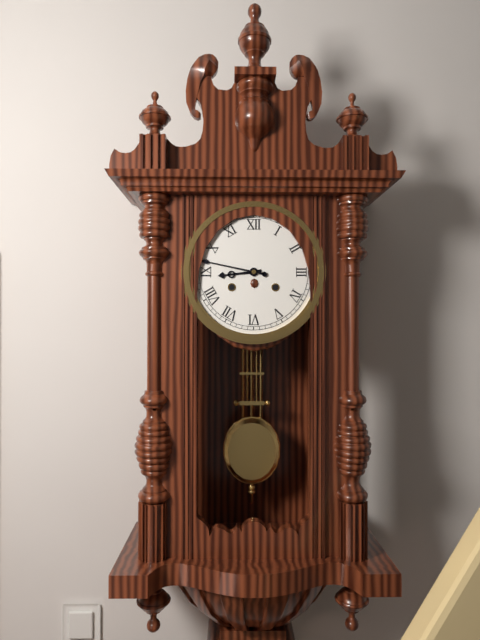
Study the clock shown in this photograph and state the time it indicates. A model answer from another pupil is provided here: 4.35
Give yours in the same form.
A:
8.47
